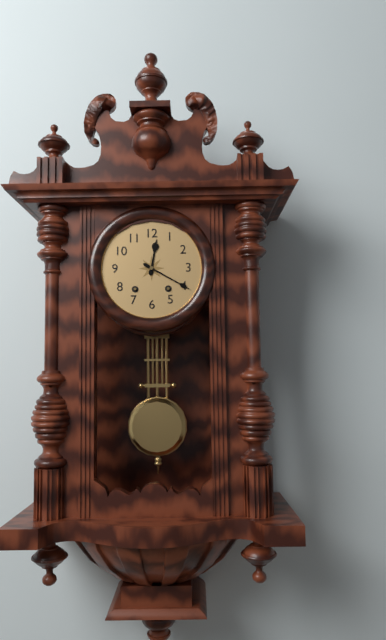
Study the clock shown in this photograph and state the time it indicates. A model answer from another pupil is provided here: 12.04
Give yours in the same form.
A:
12.20
